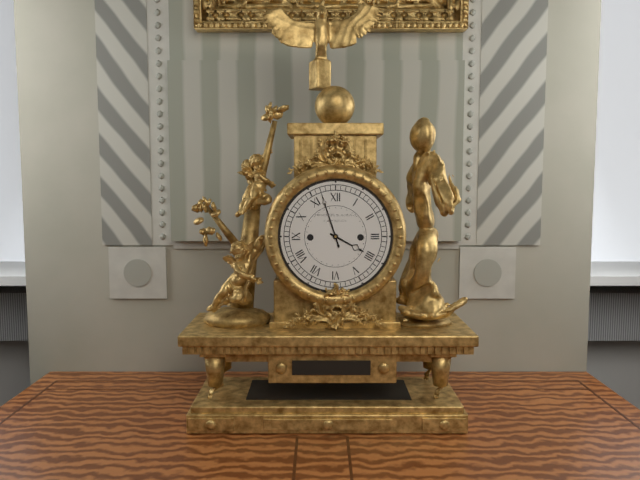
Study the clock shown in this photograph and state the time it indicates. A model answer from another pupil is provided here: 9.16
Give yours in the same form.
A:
3.57
